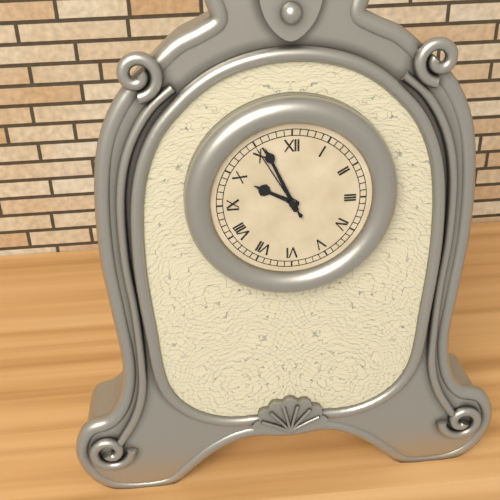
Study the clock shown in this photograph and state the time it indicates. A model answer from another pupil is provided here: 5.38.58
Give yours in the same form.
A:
9.56.55
